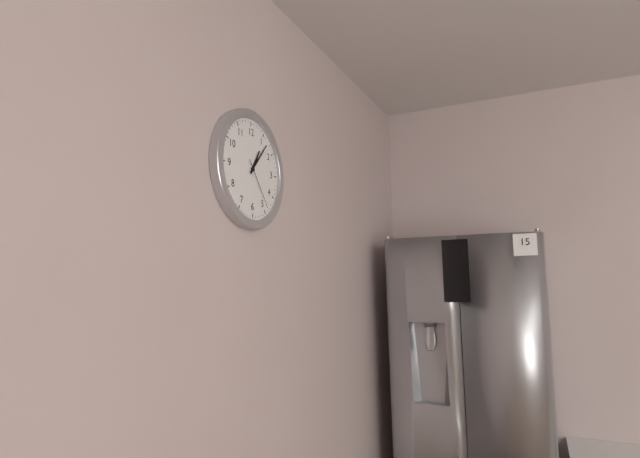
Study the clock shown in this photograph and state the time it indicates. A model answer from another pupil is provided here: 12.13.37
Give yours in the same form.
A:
1.07.24
